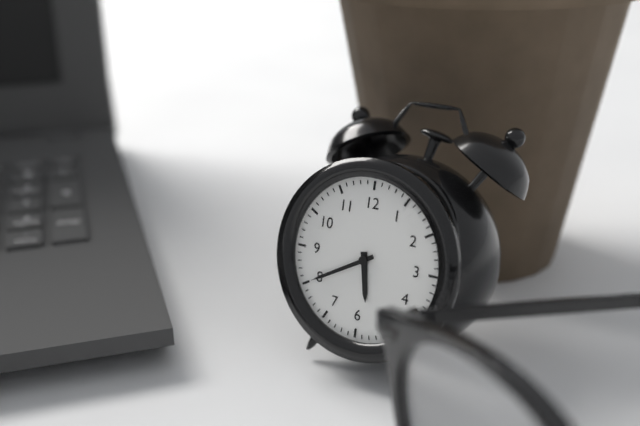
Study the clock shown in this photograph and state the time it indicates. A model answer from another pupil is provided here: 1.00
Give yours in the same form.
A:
5.40
